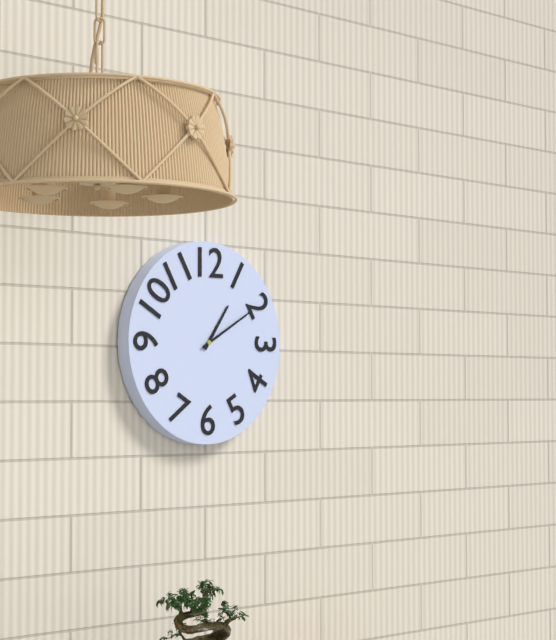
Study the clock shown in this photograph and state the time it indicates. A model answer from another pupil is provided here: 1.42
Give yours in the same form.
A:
1.10
